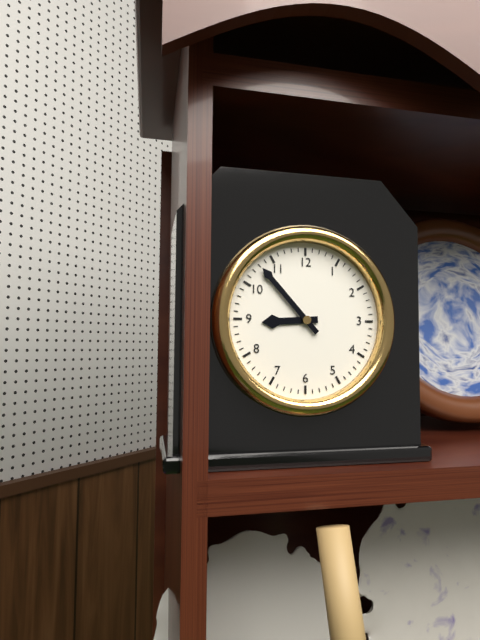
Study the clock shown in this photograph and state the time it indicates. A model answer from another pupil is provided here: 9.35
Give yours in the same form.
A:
8.53
